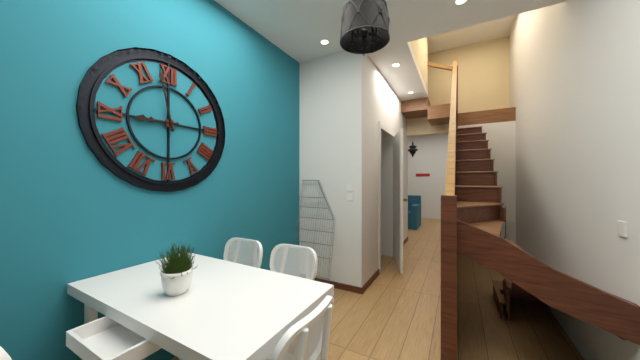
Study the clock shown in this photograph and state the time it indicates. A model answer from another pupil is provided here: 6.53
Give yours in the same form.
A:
8.58
